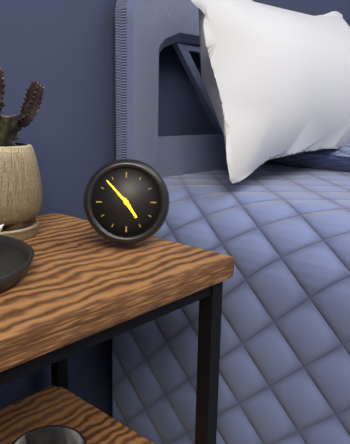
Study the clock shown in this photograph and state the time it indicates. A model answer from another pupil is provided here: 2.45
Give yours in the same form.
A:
4.53
